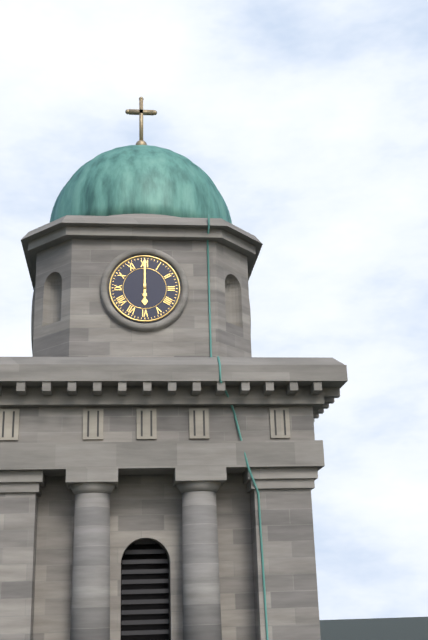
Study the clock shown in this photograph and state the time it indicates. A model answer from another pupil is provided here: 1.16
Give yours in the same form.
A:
6.00
